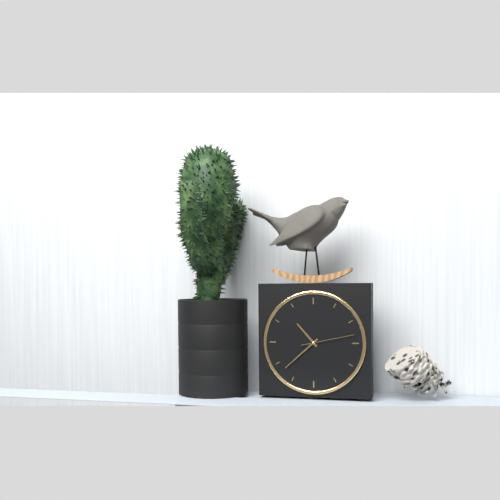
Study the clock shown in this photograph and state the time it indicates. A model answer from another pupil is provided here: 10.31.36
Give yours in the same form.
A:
10.38.13
